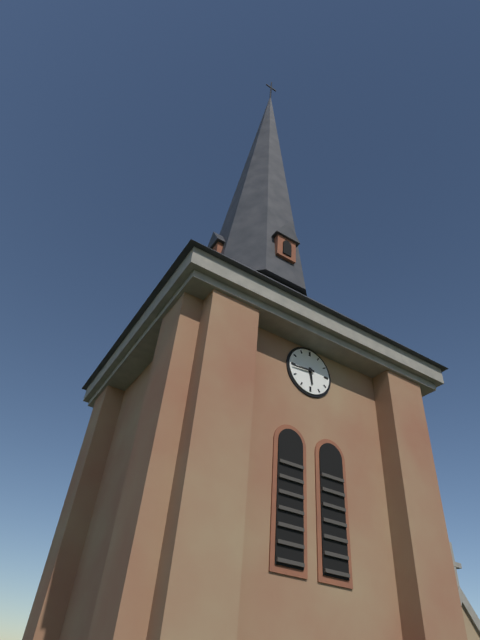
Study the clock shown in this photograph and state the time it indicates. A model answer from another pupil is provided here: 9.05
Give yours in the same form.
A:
5.44
